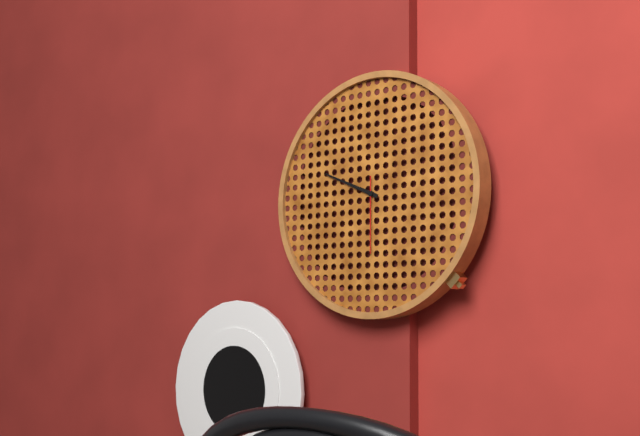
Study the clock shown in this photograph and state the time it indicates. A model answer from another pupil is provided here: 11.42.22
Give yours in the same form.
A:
9.49.30
